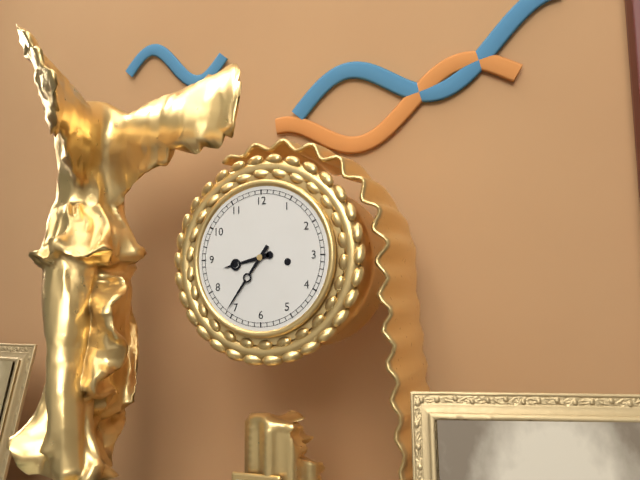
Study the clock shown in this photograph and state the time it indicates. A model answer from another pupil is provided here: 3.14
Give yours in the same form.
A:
8.36
